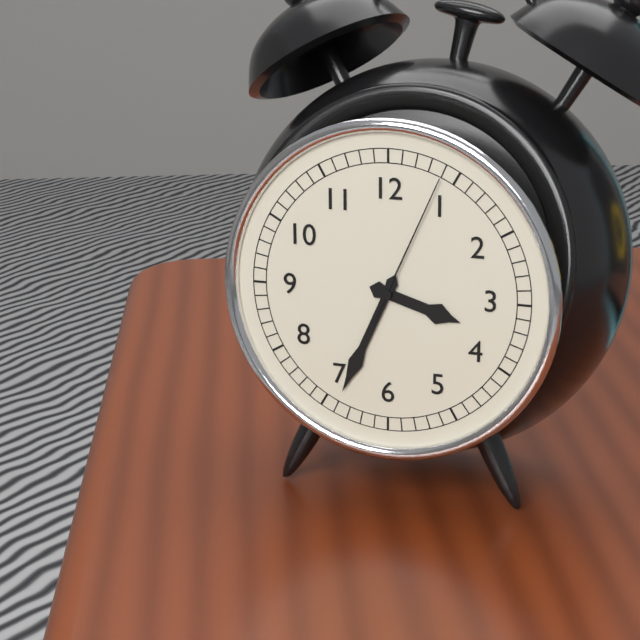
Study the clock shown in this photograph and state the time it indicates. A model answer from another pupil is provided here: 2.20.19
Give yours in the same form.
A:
3.34.04
